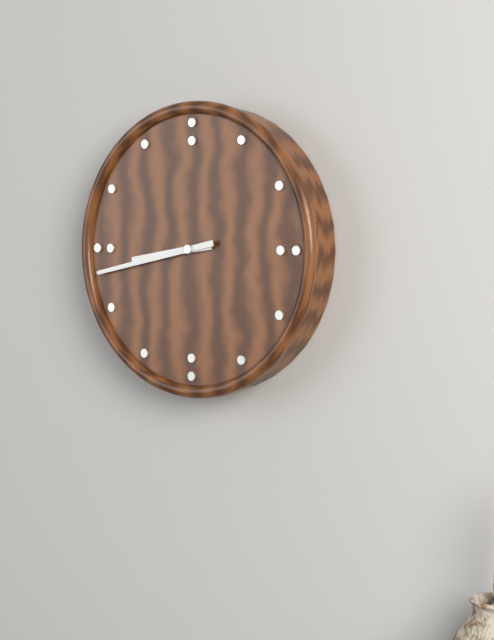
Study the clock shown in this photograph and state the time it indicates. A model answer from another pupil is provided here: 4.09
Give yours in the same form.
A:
8.43
